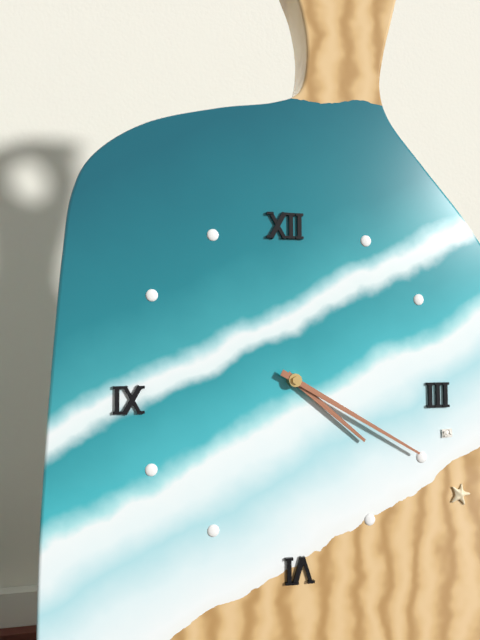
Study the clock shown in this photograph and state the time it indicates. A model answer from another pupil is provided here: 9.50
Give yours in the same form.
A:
4.20
